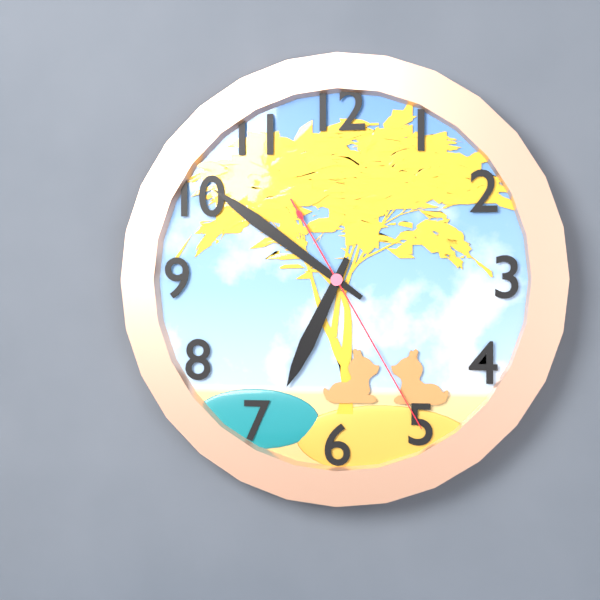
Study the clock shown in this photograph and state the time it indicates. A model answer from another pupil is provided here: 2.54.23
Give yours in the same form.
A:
6.51.25
